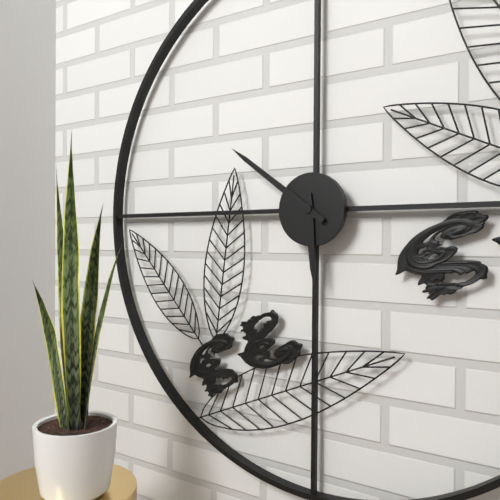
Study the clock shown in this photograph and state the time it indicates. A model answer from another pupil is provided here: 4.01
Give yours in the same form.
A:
5.51
